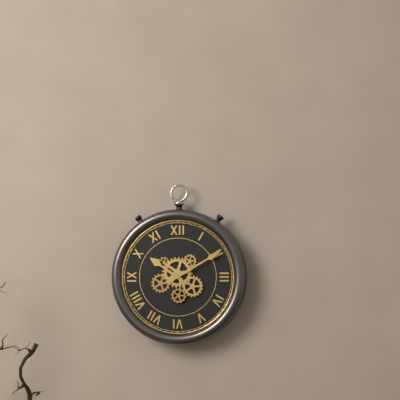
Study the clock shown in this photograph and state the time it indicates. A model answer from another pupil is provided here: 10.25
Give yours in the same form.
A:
10.10
